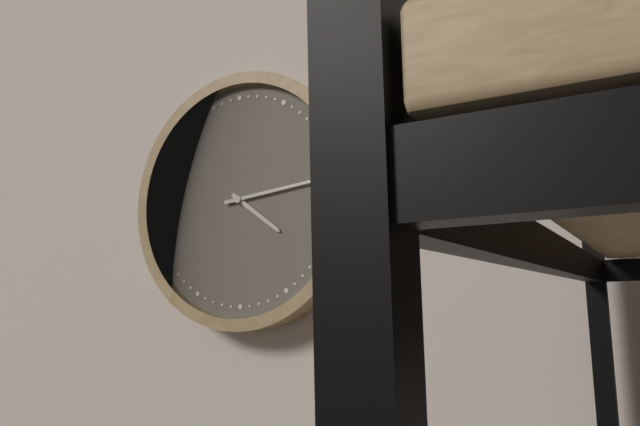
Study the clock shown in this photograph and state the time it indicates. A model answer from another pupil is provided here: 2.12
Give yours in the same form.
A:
4.14
